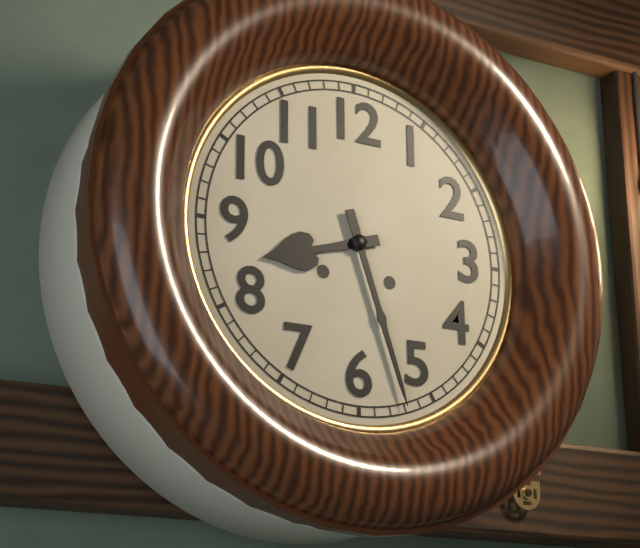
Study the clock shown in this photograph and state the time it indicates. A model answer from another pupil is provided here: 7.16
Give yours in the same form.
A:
8.27
